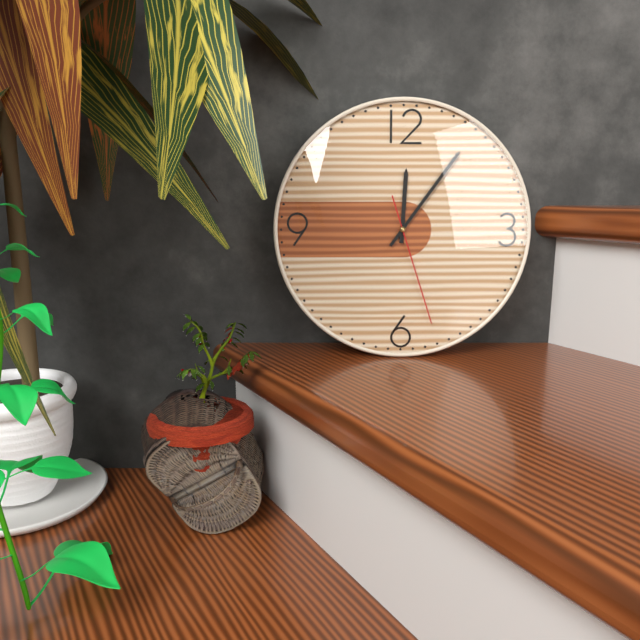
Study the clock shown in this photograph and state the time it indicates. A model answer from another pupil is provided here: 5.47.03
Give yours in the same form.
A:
12.06.27
